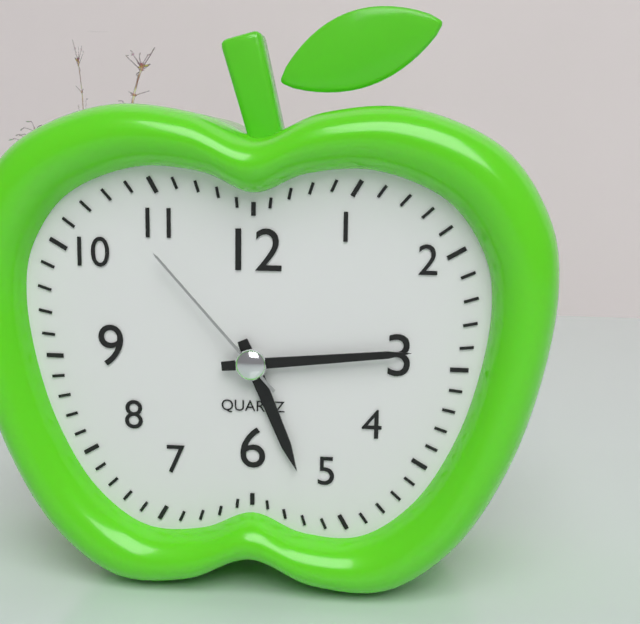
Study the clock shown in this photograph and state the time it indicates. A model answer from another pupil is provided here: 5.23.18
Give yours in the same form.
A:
5.14.53
